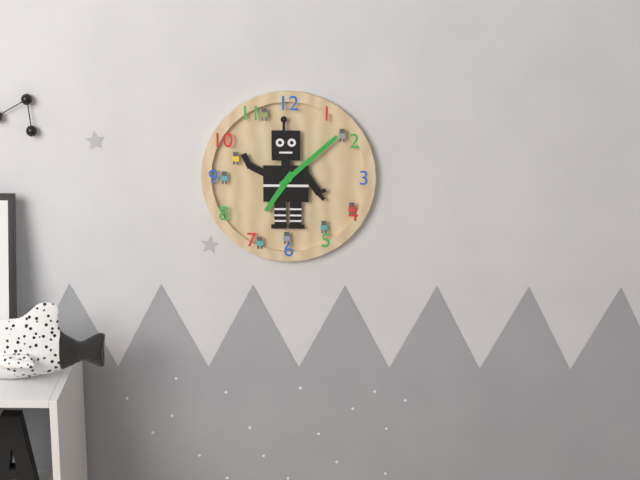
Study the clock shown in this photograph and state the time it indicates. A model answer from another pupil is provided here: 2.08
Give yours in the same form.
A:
7.08
